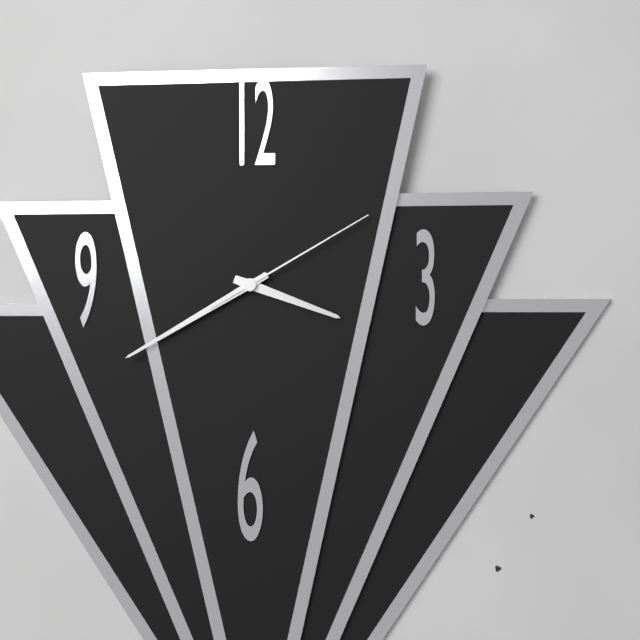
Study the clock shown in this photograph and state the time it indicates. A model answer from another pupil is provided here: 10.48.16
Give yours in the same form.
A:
3.40.10
